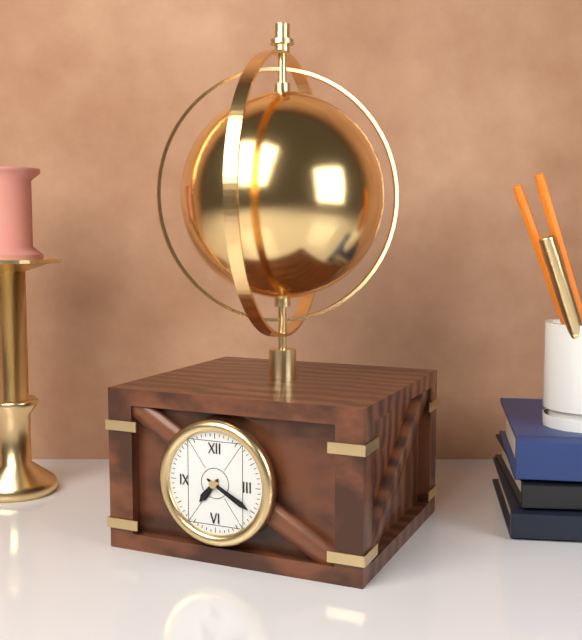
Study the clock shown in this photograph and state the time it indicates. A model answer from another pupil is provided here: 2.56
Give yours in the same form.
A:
7.20
